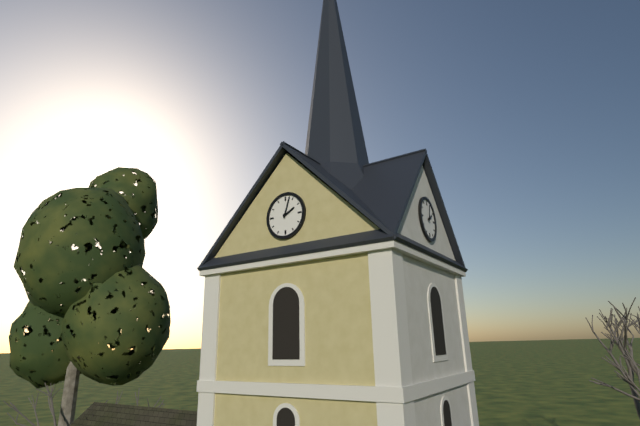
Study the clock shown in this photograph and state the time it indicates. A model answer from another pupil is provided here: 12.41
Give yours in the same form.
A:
2.03
